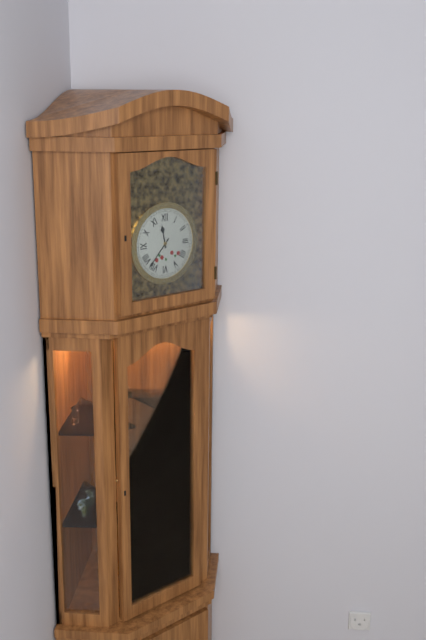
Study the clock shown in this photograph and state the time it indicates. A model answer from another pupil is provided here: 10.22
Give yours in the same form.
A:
11.37
